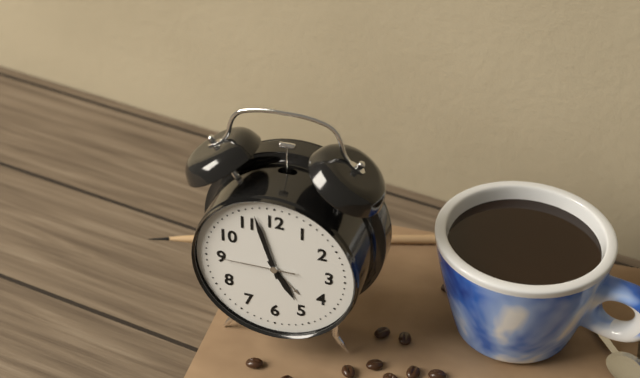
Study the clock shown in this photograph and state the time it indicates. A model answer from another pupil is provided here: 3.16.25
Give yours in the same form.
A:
4.57.45
